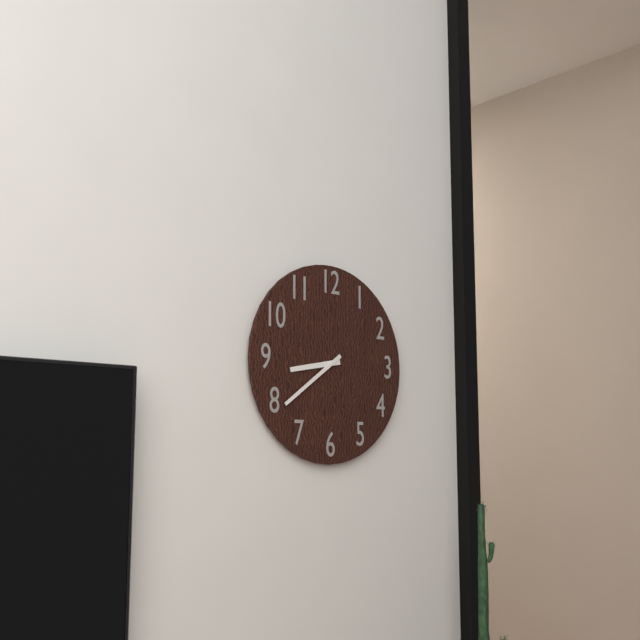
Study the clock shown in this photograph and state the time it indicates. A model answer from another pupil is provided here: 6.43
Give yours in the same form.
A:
8.39
